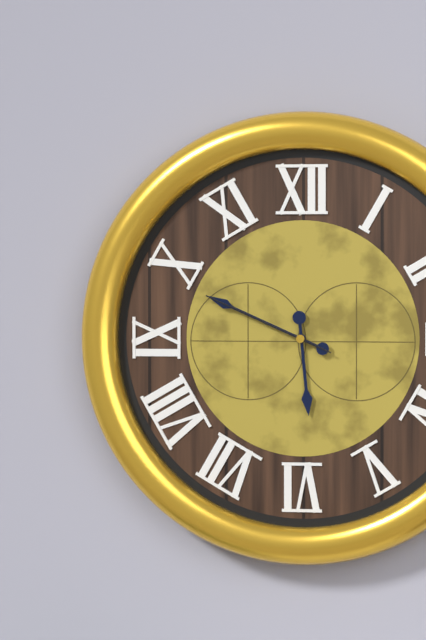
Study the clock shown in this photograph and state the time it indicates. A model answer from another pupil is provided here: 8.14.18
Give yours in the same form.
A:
5.49.49
